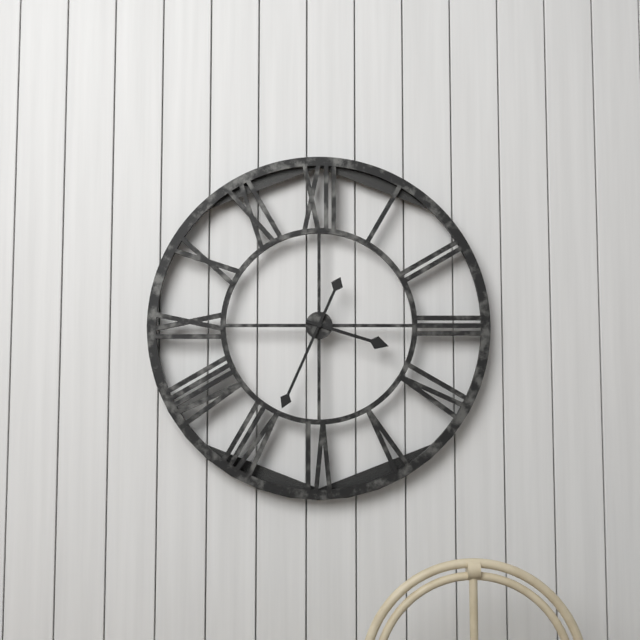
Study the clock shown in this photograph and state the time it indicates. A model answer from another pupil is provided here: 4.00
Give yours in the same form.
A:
3.34
